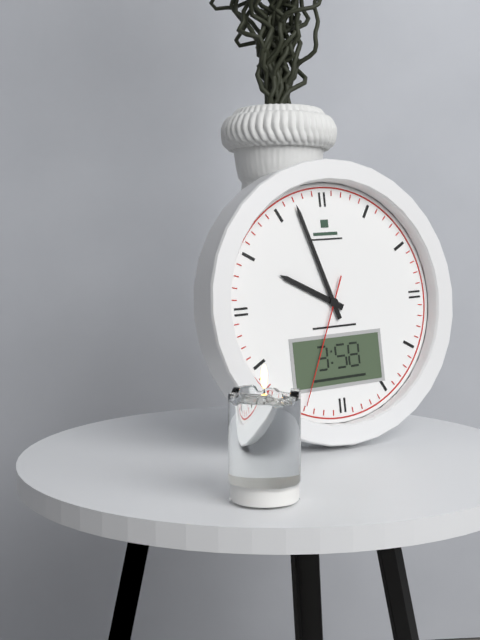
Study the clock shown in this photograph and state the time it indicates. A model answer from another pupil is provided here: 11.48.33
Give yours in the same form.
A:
9.57.34
